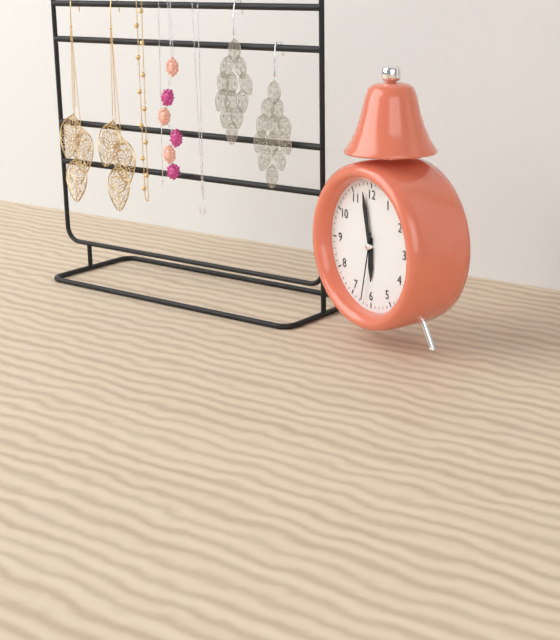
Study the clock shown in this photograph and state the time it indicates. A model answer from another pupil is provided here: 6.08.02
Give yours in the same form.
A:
5.58.32
